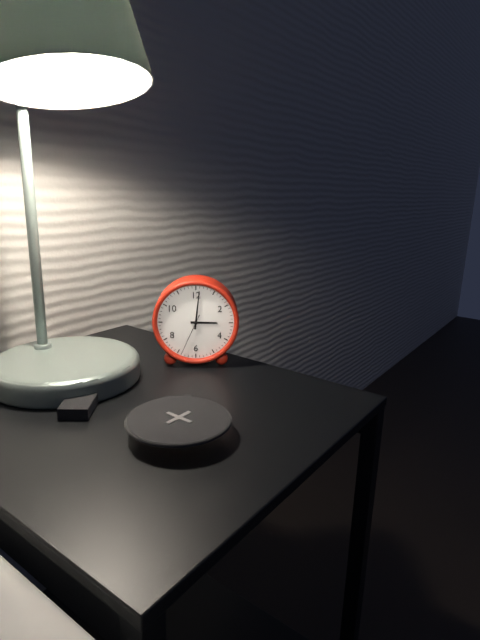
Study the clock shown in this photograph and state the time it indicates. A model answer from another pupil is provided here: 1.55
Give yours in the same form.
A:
3.01
